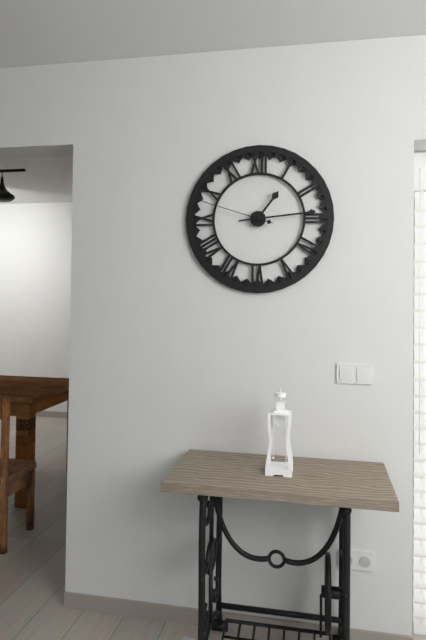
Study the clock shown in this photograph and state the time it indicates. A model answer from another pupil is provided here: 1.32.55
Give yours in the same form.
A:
1.14.48
